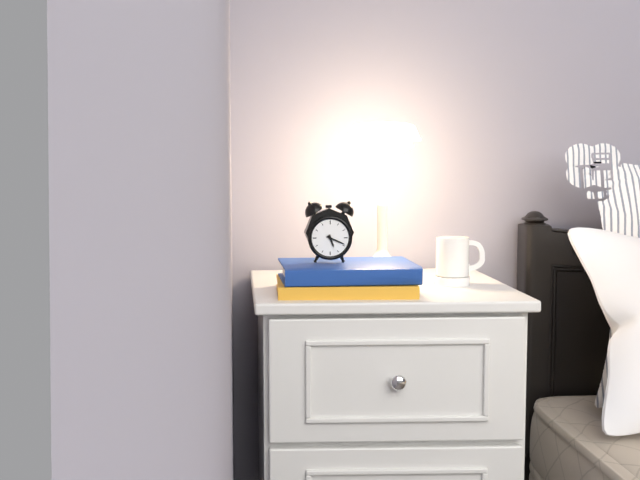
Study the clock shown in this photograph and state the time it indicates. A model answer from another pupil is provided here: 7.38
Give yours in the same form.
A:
5.19
